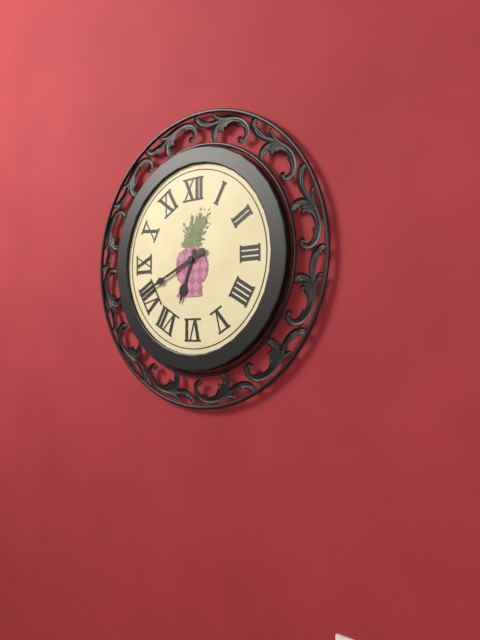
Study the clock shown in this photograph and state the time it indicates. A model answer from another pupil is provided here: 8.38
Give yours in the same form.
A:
6.41
